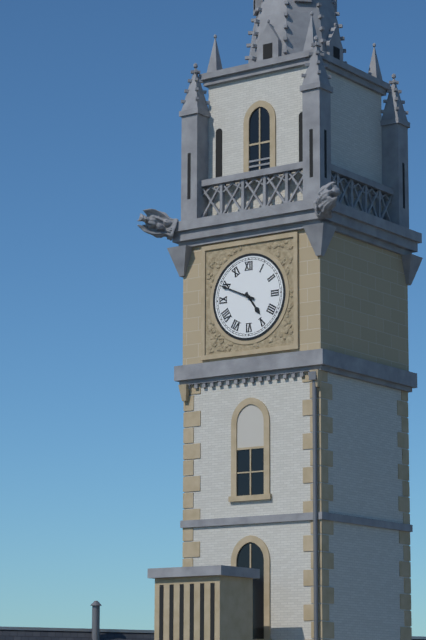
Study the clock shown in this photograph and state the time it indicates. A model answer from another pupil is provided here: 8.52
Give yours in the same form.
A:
4.49
